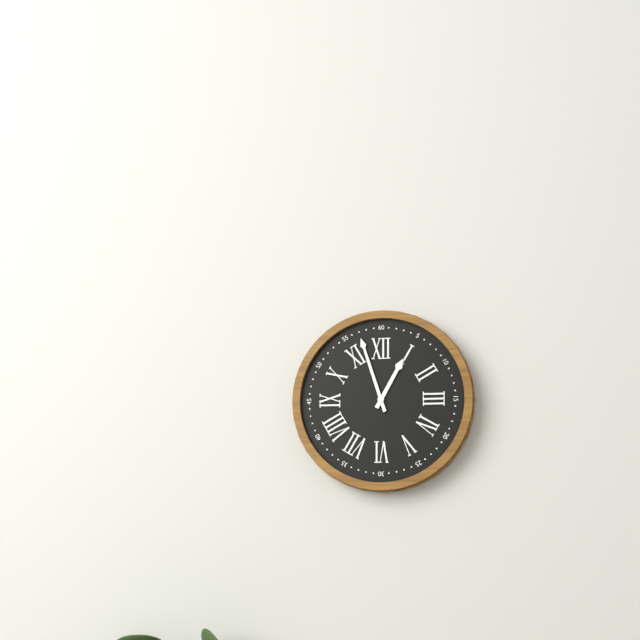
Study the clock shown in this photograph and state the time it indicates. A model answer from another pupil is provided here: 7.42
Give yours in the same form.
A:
12.57
